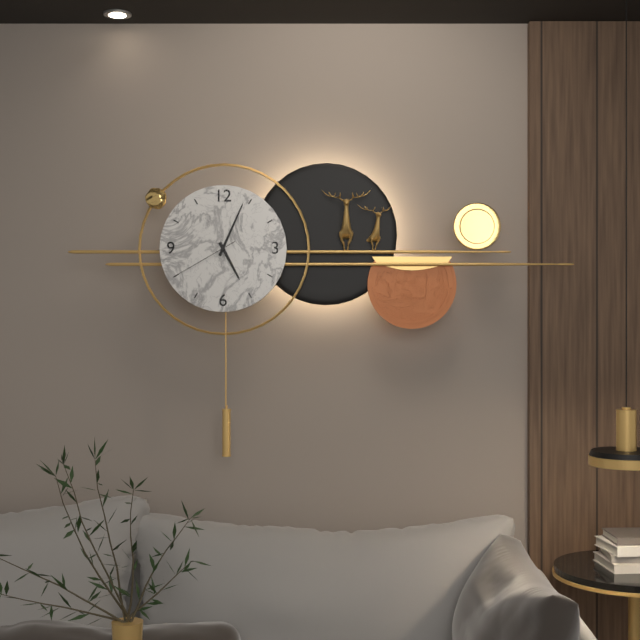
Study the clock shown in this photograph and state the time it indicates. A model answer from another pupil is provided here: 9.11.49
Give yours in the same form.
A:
5.04.40
